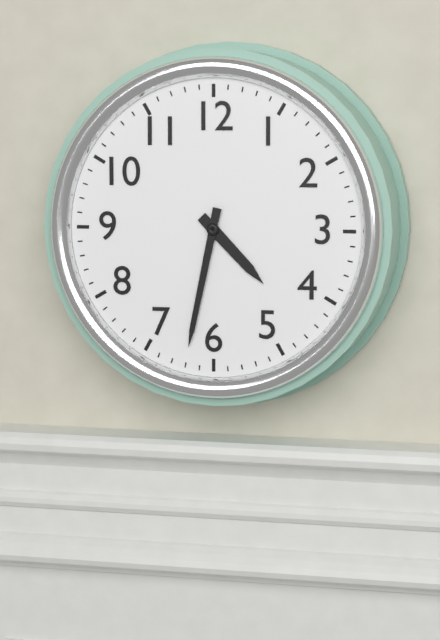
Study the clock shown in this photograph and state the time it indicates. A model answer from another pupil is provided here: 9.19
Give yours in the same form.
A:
4.32
